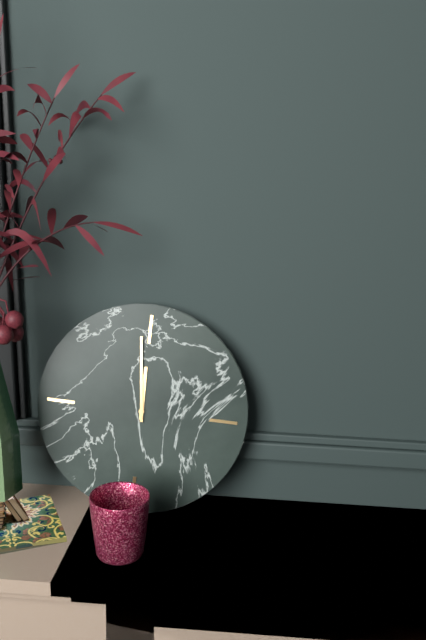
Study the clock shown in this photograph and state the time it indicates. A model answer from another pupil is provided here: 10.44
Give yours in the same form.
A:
11.59
